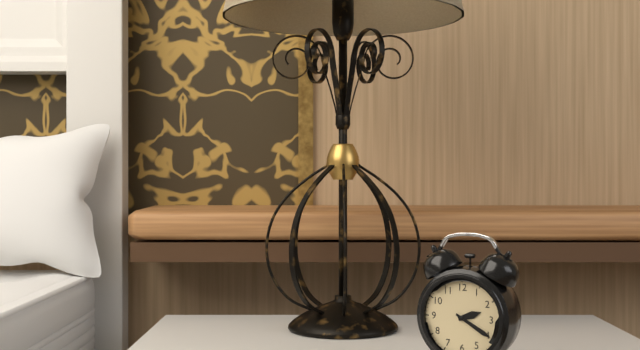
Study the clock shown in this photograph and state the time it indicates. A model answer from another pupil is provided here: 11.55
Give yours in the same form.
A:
2.20
